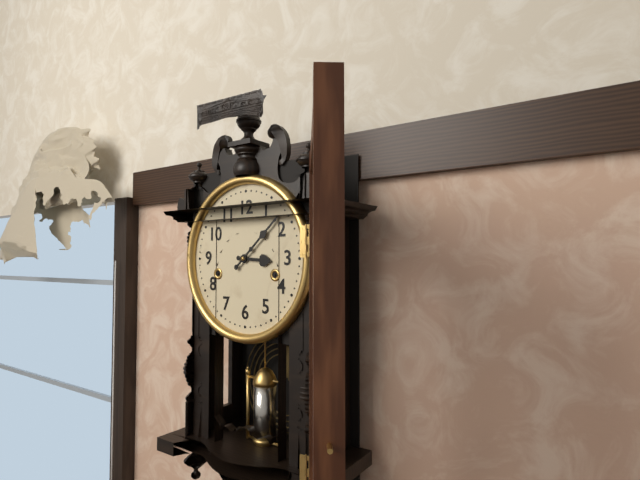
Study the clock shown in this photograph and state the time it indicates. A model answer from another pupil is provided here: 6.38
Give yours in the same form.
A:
3.08
